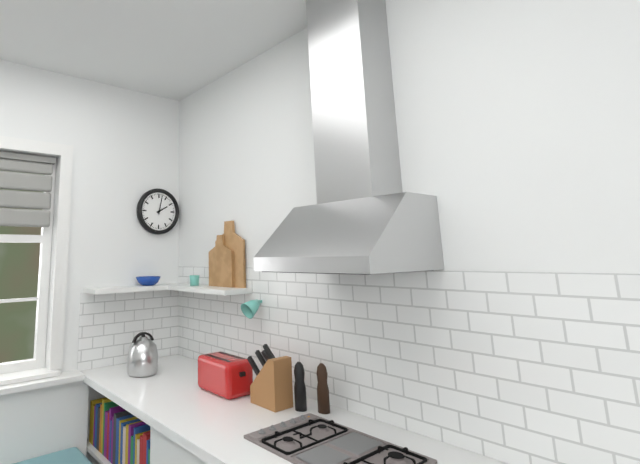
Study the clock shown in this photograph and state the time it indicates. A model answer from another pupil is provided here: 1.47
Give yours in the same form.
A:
2.02
